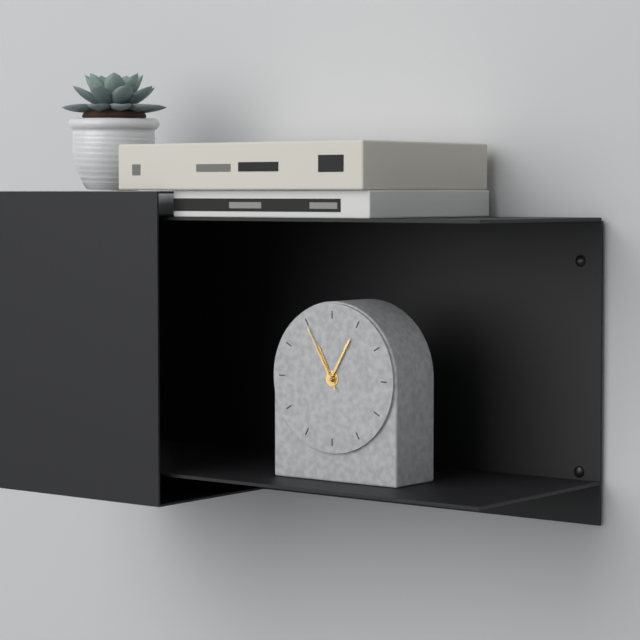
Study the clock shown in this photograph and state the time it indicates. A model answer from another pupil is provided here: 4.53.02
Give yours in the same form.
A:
11.05.55
